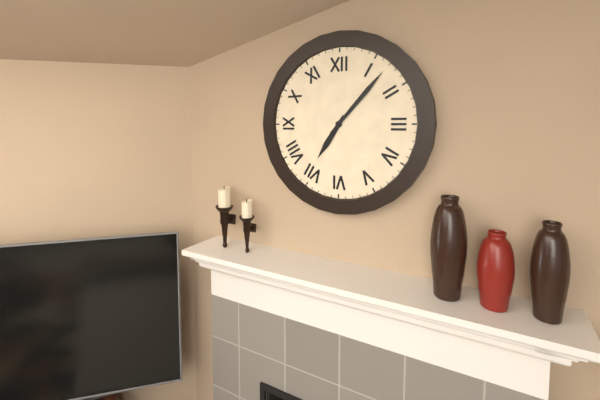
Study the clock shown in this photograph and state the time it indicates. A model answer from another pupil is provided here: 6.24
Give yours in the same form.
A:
7.07
